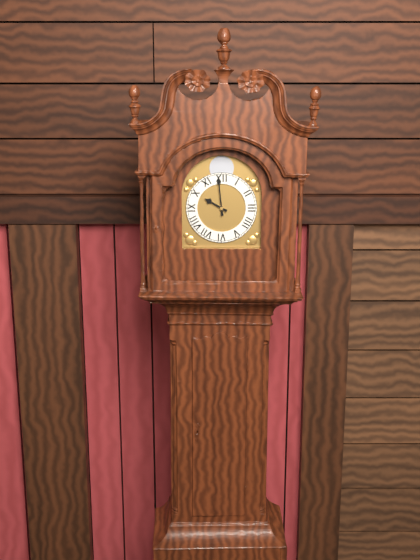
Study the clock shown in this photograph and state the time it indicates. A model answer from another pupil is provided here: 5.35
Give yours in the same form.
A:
9.59
